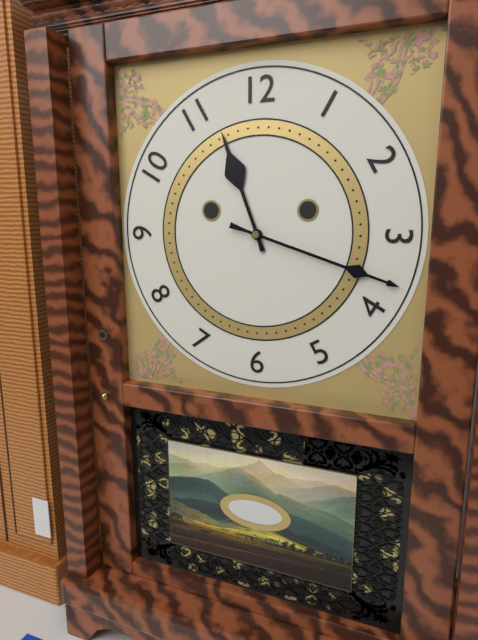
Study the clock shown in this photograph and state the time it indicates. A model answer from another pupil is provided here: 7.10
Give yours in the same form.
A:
11.18
